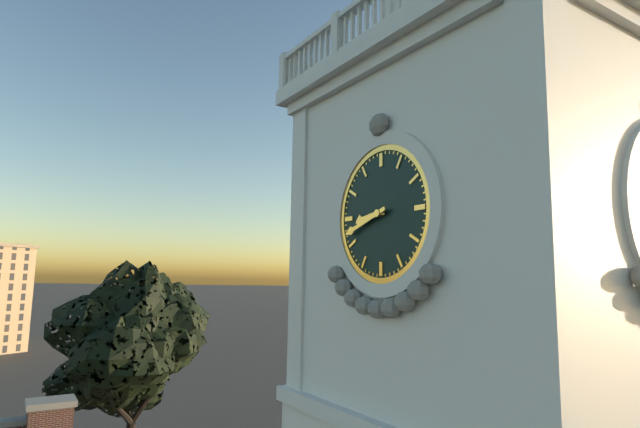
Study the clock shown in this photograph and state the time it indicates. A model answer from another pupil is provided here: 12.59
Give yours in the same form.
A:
8.42
